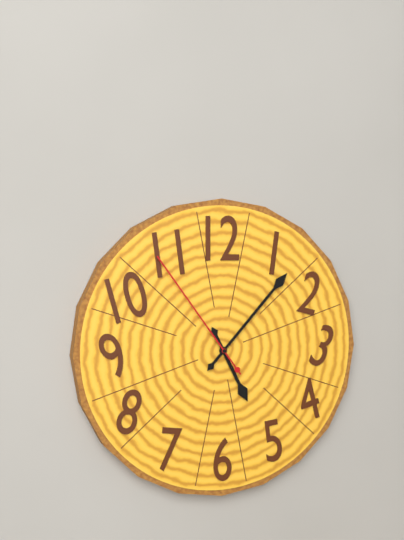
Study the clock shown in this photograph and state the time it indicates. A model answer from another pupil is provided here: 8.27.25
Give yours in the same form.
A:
5.07.54
